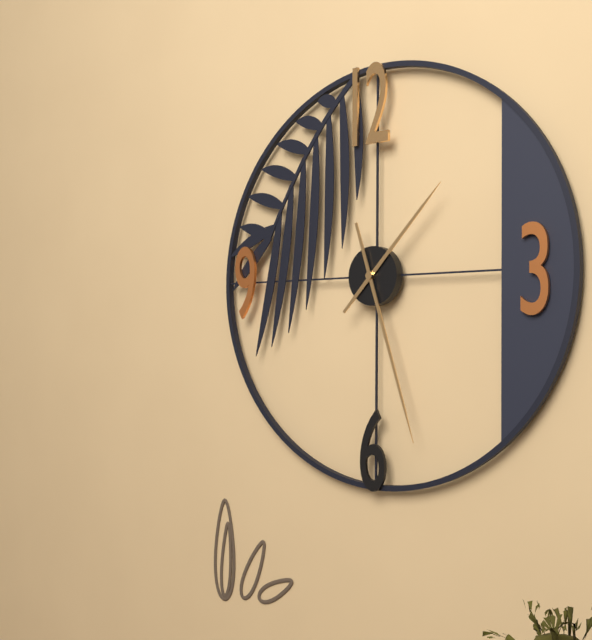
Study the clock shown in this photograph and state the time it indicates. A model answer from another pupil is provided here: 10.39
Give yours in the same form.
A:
1.27
